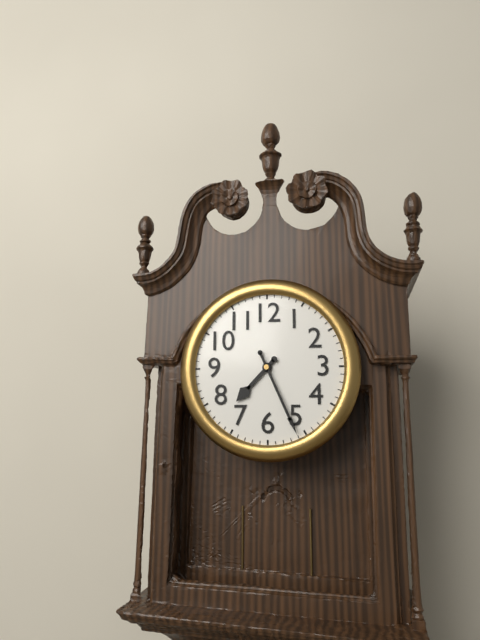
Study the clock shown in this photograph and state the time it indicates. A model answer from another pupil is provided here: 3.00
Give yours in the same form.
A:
7.26
